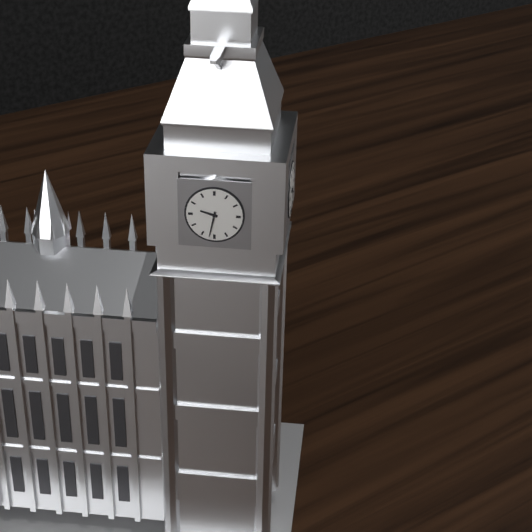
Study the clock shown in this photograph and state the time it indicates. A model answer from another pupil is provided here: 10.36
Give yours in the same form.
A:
9.32
